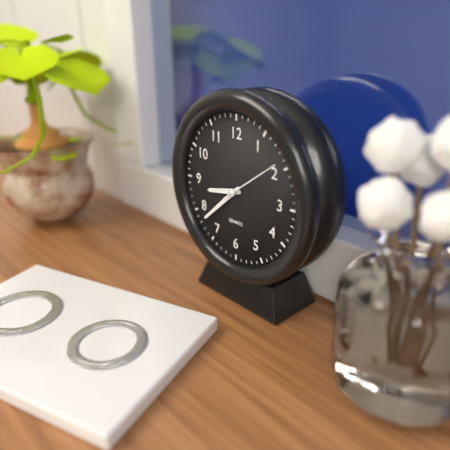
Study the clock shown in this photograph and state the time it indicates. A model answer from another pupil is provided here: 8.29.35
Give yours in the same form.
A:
8.38.09
